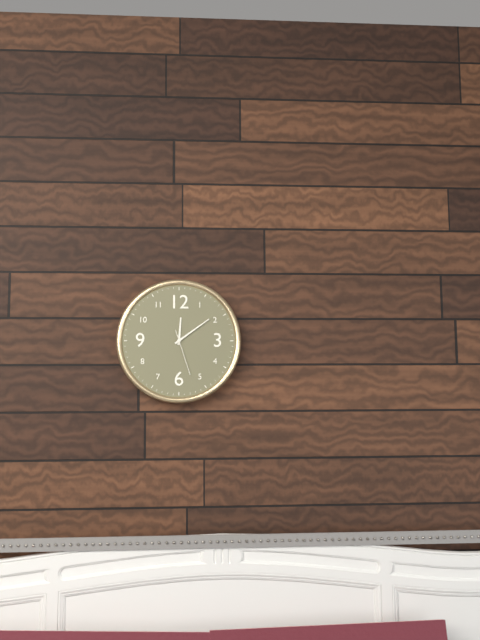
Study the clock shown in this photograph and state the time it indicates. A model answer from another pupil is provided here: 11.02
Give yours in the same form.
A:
12.09
